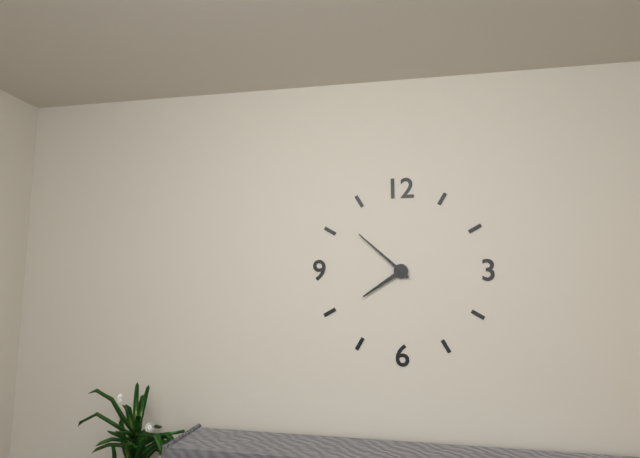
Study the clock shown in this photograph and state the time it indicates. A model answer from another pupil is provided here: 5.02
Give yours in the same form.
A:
7.52
